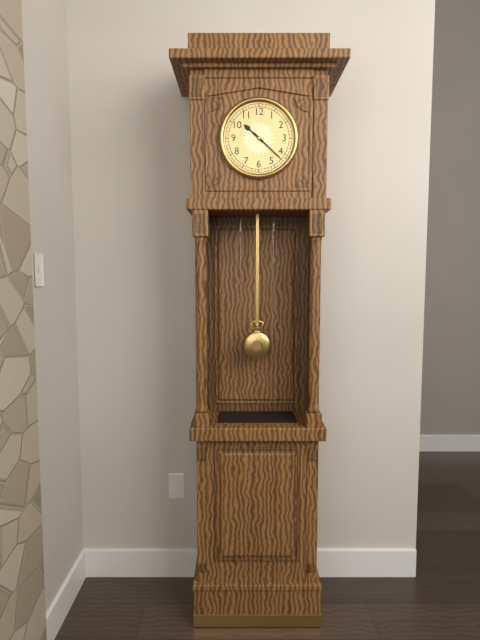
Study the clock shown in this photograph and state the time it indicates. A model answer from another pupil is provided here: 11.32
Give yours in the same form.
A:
10.22
